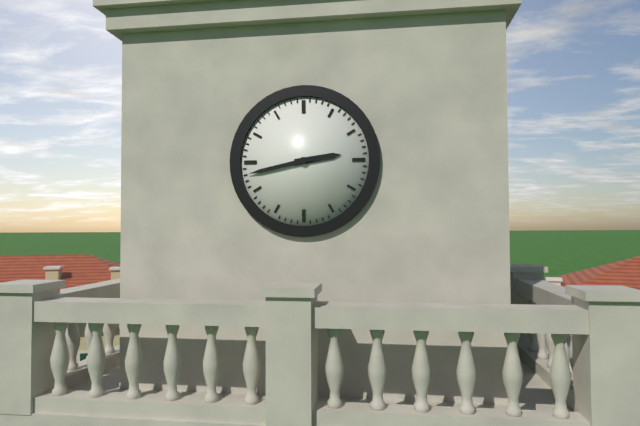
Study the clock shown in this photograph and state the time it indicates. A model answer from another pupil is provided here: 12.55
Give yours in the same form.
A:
2.43
